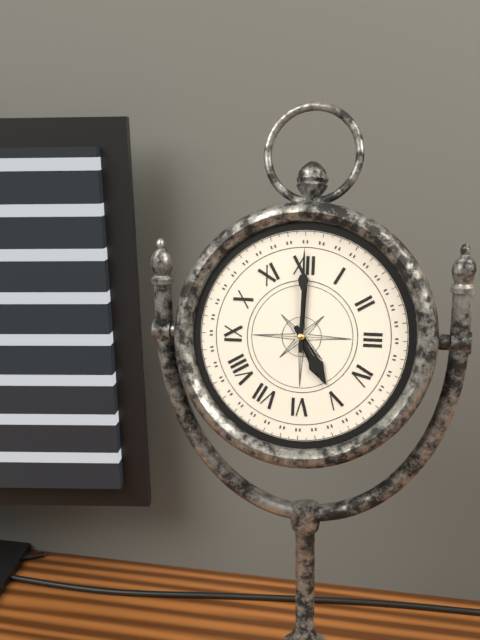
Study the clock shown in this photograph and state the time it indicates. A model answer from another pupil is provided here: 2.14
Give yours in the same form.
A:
5.00
